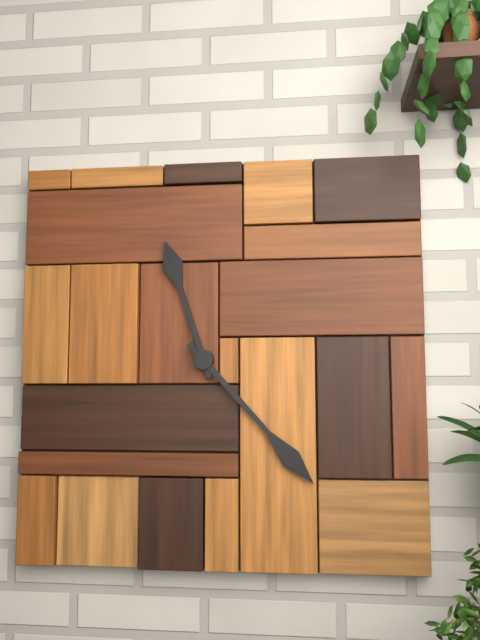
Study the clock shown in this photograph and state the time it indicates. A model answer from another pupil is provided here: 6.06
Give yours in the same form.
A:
11.23
